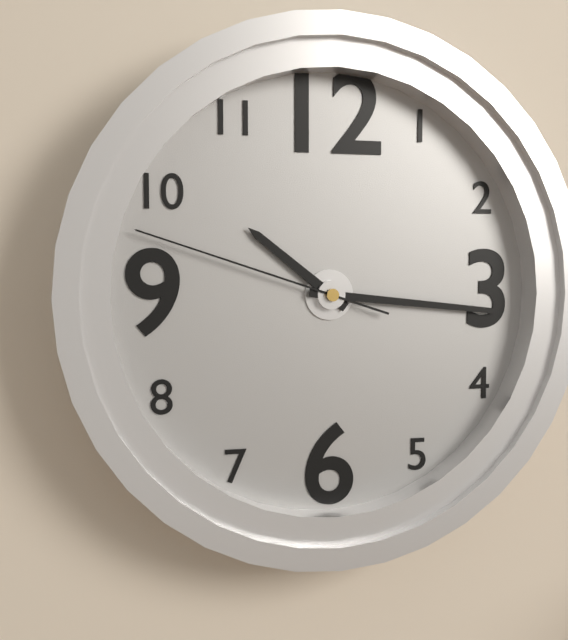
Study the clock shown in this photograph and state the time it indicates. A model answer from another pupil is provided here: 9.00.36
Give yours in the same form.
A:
10.16.48
